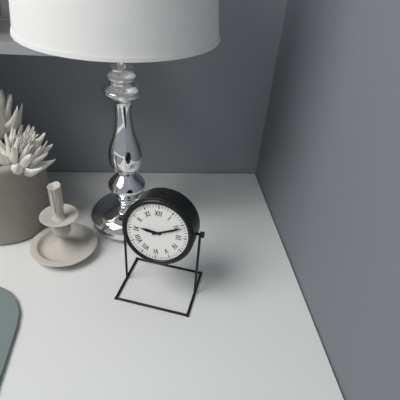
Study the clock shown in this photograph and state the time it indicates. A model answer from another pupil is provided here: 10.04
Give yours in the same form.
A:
9.11
